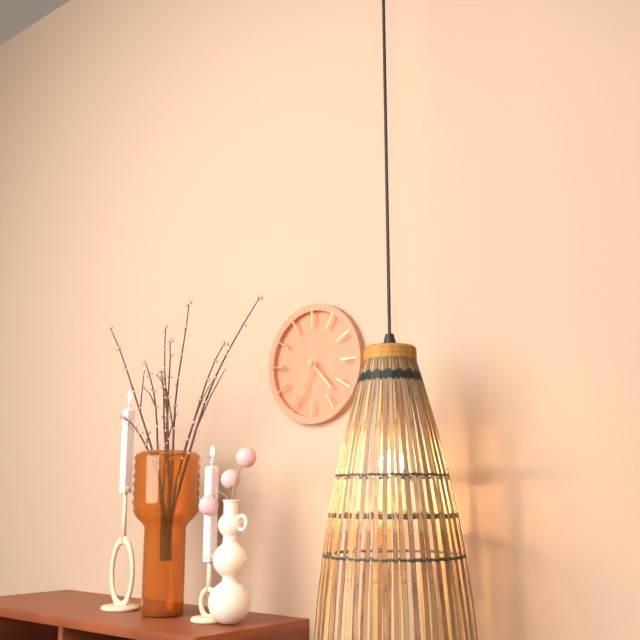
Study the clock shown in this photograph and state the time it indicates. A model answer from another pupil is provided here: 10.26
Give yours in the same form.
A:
4.34
